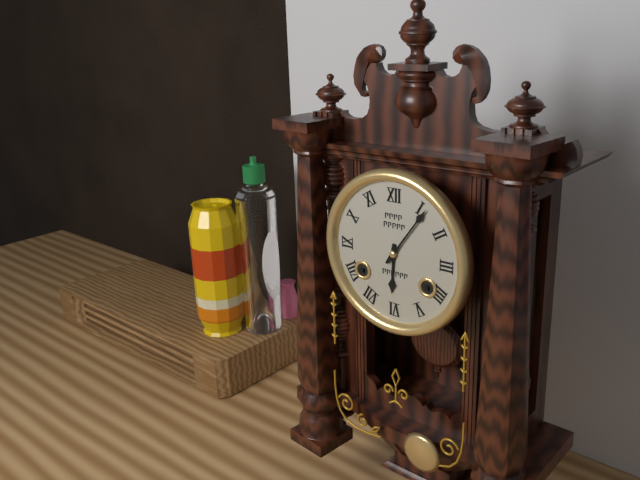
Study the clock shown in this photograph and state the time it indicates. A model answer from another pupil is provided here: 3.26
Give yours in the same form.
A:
6.06
